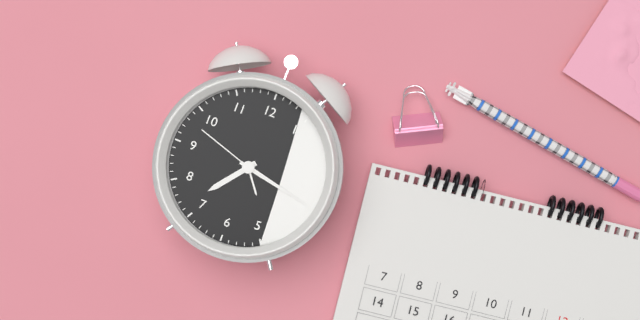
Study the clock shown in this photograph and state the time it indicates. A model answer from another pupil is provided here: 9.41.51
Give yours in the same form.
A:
7.17.48
